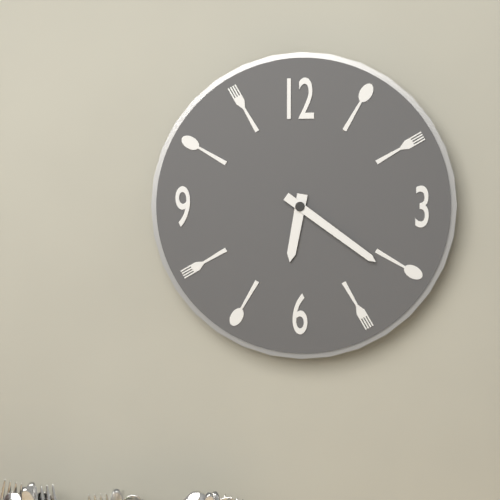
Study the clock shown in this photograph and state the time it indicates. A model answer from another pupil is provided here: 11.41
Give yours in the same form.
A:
6.21
